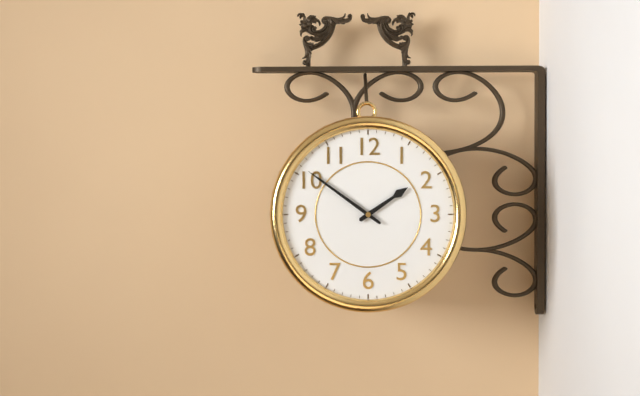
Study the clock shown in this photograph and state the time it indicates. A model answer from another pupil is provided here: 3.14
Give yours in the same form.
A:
1.51
